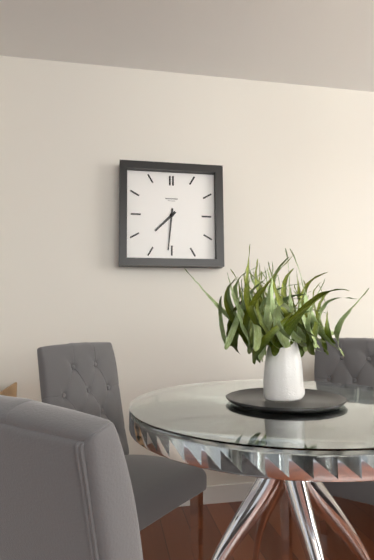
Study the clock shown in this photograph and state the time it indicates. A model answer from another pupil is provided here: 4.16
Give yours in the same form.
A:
7.31
